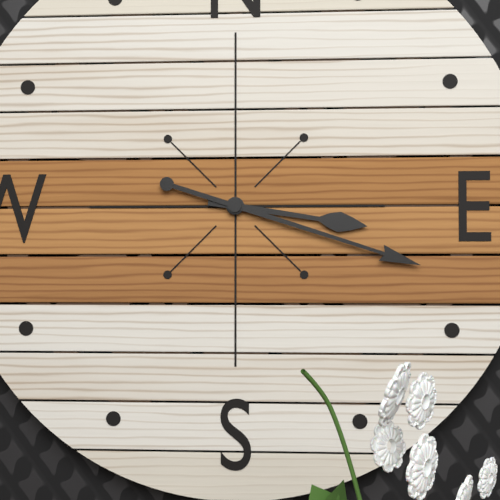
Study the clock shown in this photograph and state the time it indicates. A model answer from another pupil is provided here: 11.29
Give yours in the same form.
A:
3.18
